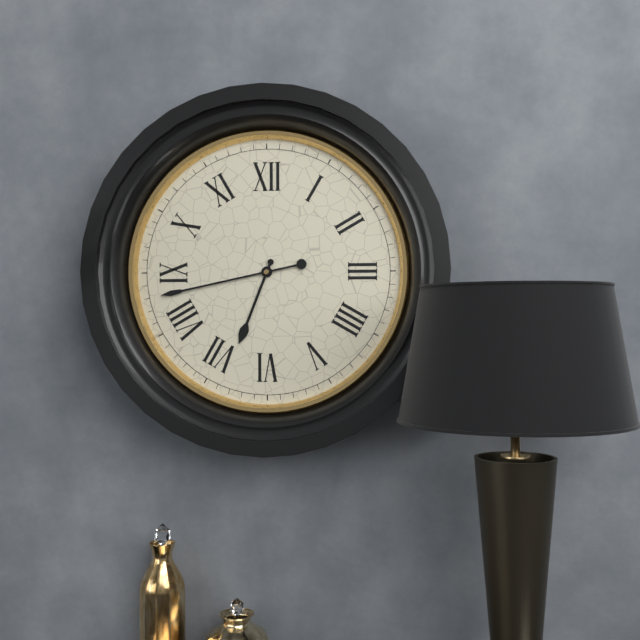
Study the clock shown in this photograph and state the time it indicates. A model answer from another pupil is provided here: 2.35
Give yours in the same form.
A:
6.43
